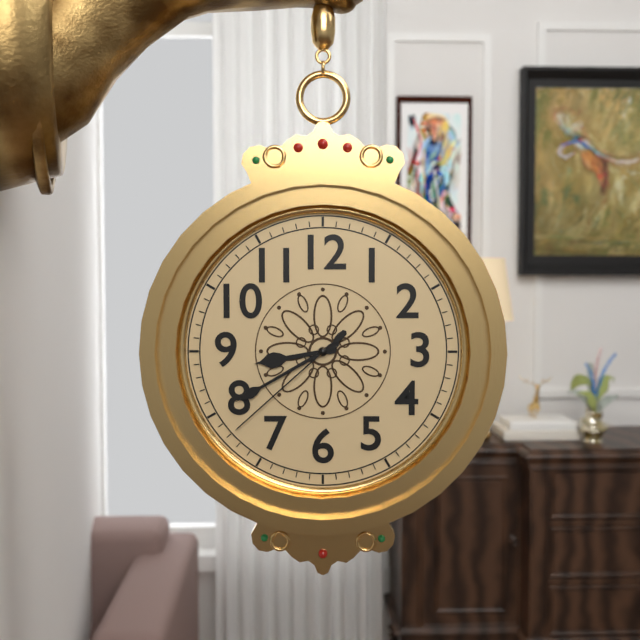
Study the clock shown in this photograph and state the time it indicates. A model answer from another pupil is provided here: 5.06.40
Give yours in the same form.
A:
8.40.38
